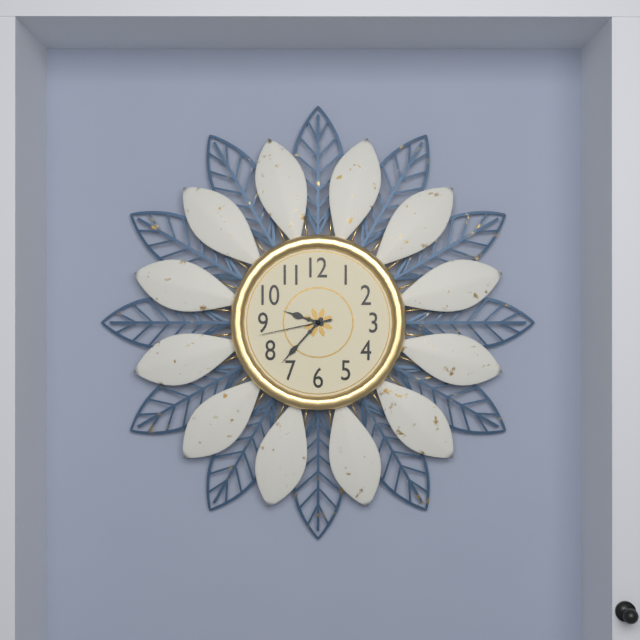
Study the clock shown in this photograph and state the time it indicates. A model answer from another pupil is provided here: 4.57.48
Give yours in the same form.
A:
9.37.43
